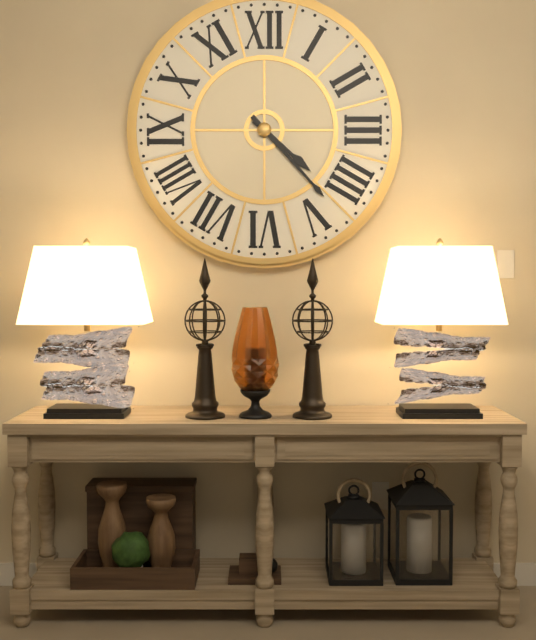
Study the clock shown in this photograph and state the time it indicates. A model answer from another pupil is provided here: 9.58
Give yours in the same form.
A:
4.23
